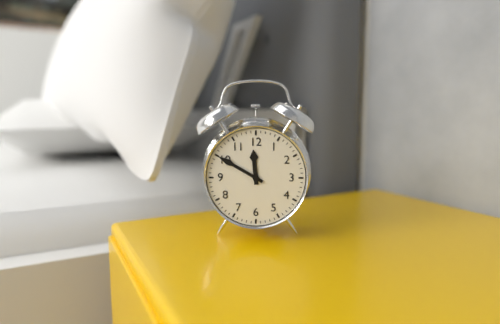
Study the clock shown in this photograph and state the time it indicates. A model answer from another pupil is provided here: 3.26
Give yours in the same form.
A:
11.50
